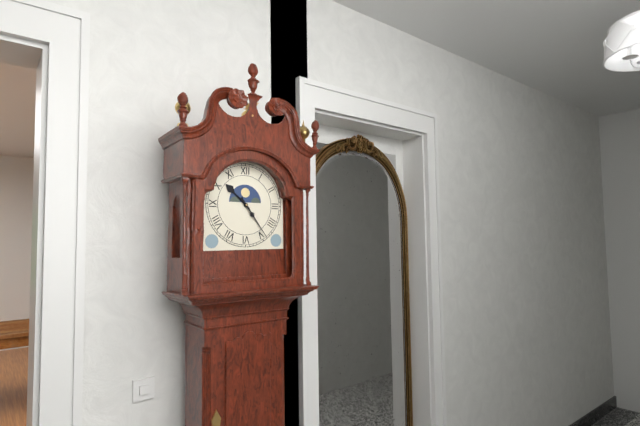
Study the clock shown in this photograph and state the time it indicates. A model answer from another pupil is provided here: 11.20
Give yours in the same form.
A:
10.24
